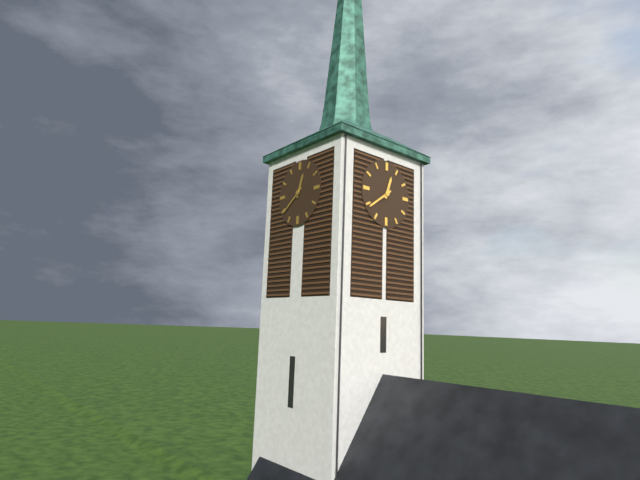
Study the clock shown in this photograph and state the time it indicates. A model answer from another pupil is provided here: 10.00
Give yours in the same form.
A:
12.39
